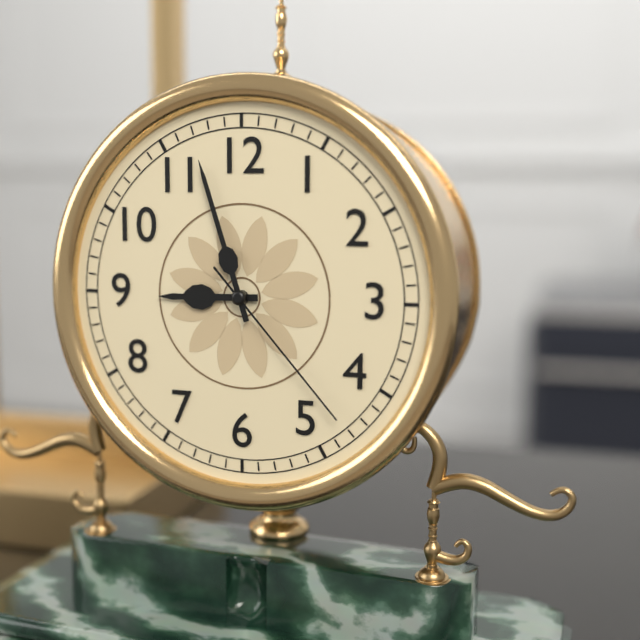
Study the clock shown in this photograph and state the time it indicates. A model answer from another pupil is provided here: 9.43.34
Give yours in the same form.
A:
8.57.23
